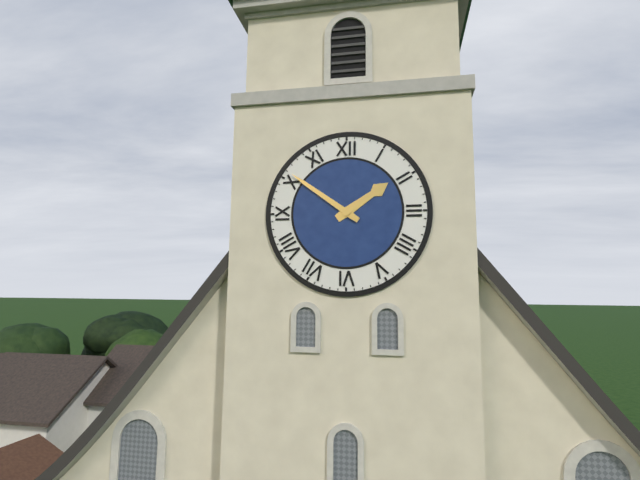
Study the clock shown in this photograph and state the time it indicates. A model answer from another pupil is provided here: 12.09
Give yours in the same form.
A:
1.51
